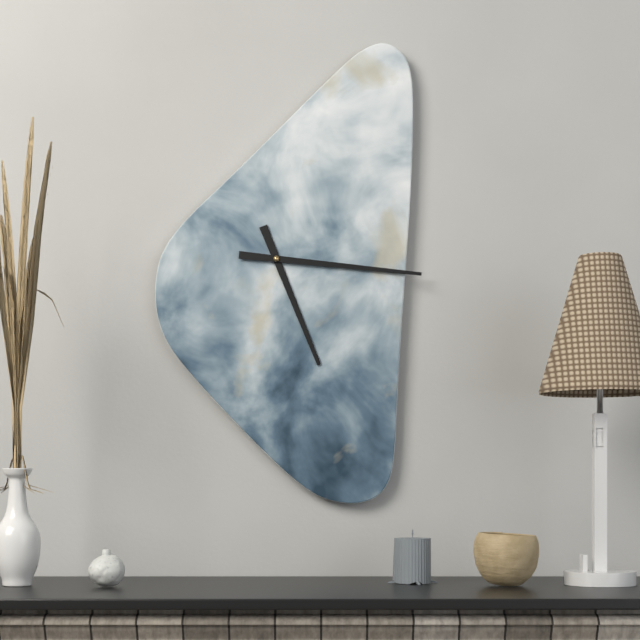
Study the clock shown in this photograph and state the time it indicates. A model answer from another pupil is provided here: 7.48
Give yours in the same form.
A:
5.16
